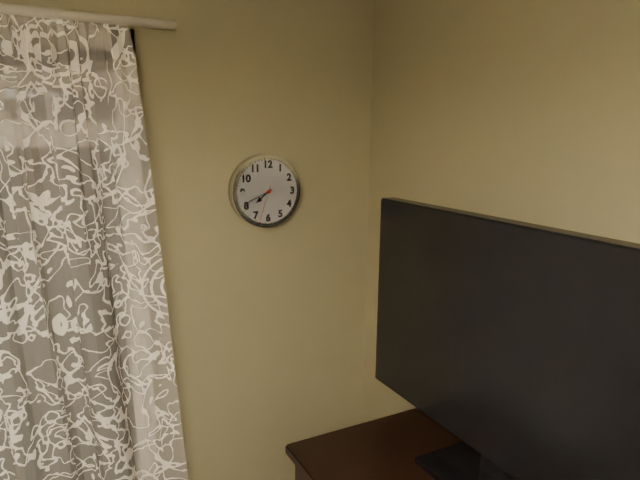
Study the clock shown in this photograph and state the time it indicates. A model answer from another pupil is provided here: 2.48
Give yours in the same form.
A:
7.41
